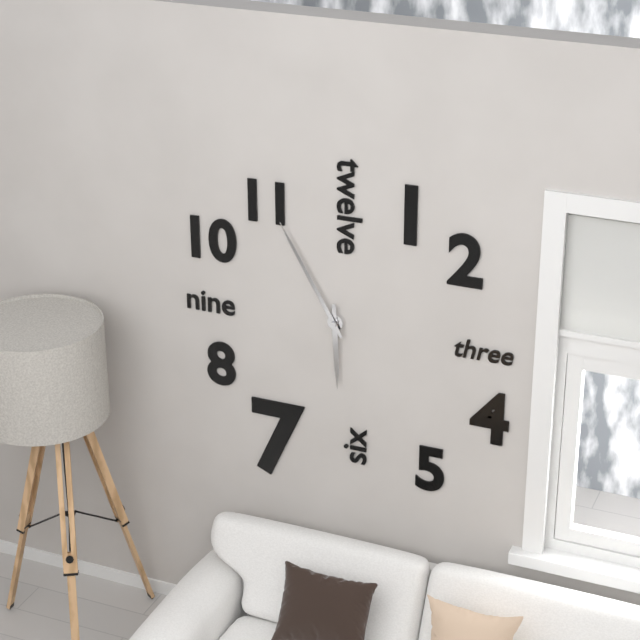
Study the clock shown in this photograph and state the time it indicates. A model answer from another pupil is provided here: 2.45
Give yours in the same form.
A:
5.55
